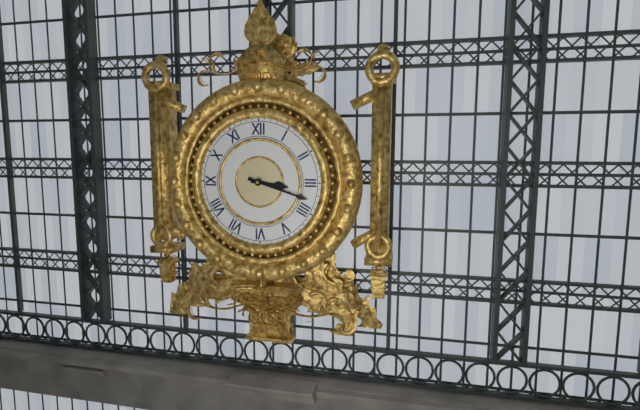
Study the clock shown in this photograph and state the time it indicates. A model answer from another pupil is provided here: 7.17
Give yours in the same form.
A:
3.18
